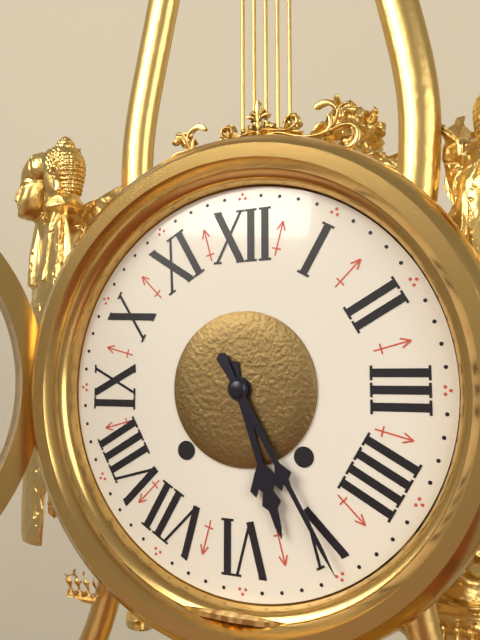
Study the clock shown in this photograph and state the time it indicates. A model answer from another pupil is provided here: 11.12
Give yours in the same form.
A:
5.25
